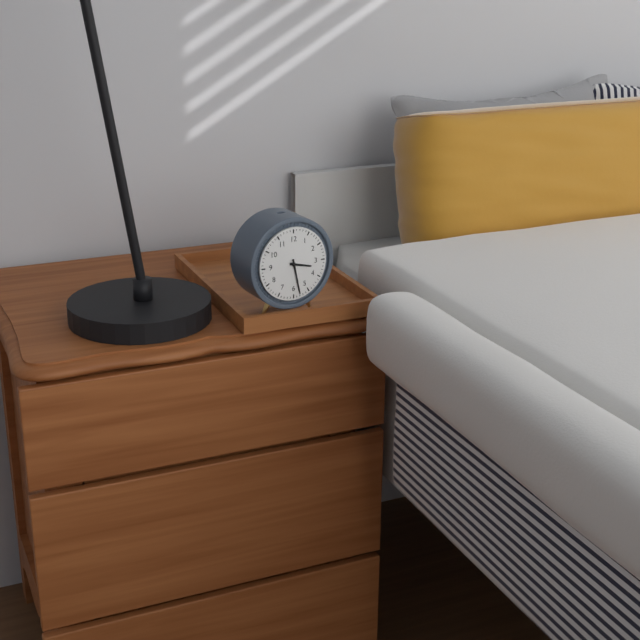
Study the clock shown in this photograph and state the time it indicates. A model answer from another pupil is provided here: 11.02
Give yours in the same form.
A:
3.28
